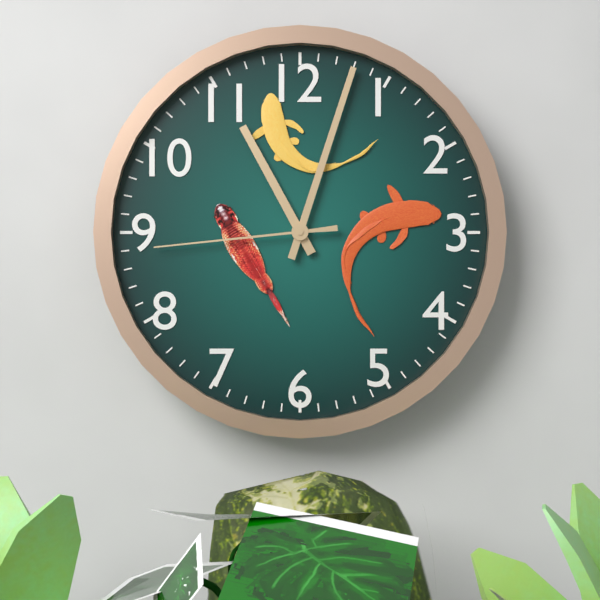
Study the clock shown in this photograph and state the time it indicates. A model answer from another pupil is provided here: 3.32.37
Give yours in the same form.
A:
11.03.44
